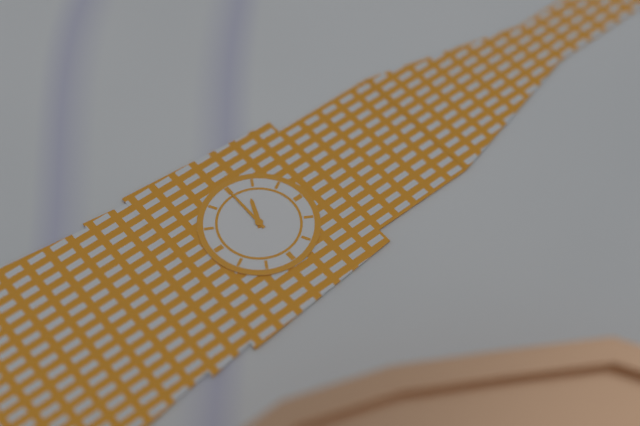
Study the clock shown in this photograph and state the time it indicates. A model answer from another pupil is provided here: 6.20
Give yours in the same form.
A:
9.45
